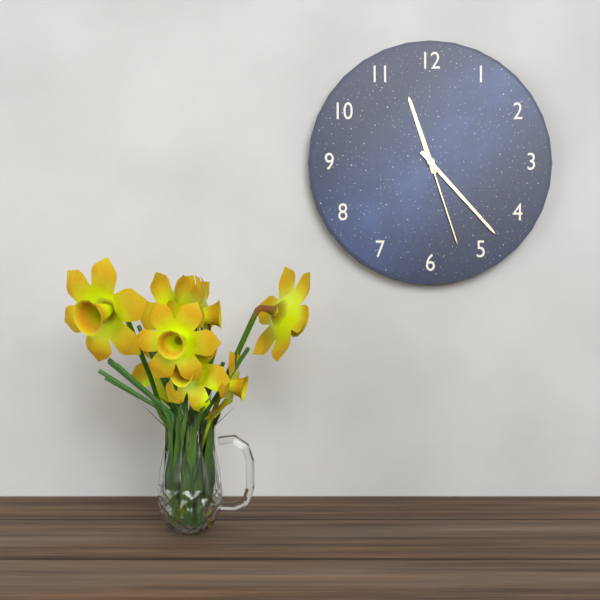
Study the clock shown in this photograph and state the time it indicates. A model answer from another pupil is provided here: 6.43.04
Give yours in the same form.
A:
11.23.27
